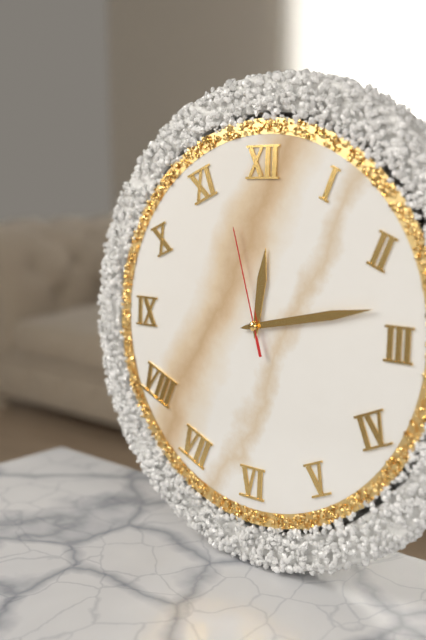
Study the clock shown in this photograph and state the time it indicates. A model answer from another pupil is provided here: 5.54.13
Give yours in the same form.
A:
12.13.57
